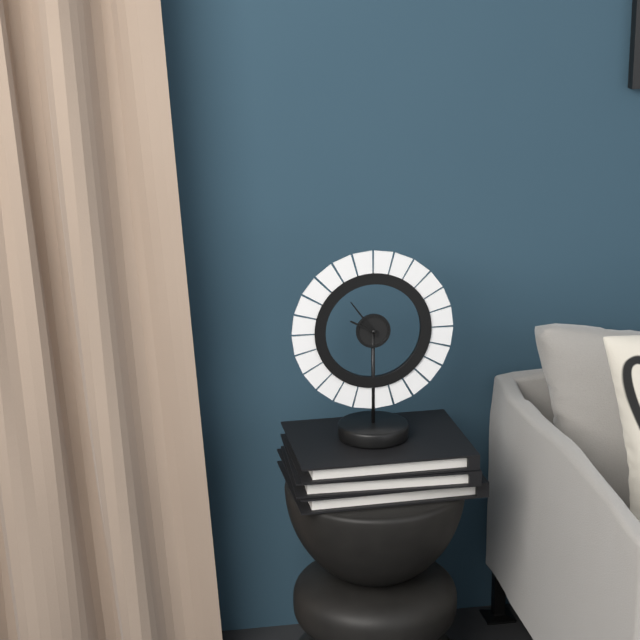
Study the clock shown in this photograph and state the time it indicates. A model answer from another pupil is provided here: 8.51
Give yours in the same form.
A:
9.54
